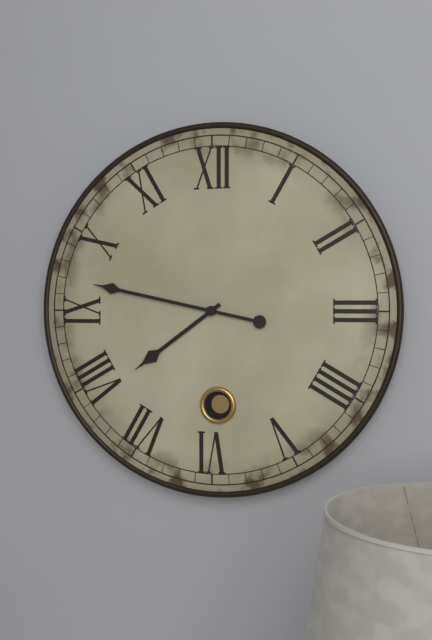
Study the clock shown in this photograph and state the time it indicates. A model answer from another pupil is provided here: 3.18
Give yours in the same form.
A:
7.47
